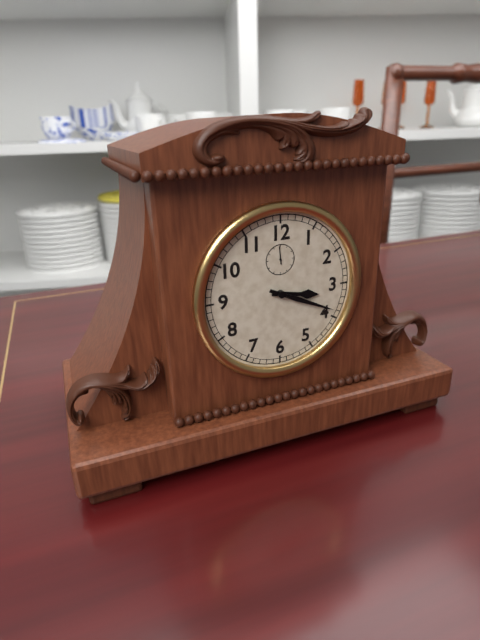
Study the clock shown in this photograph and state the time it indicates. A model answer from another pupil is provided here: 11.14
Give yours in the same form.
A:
3.19
